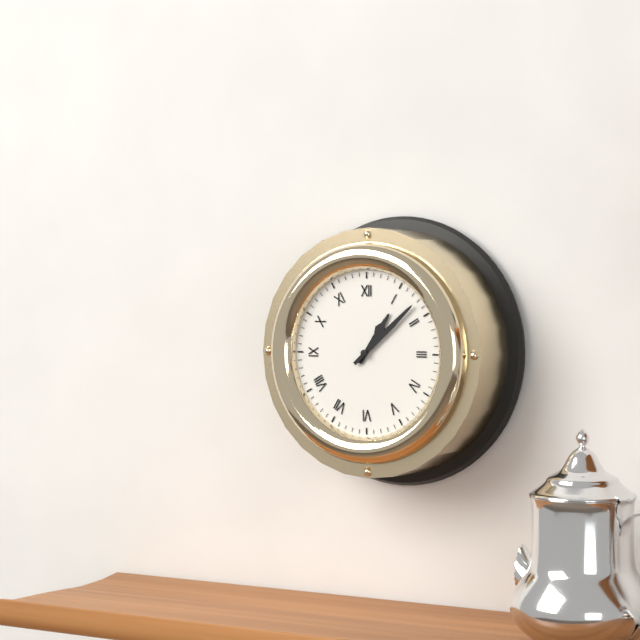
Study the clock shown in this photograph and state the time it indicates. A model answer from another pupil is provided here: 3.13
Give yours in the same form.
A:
1.08
